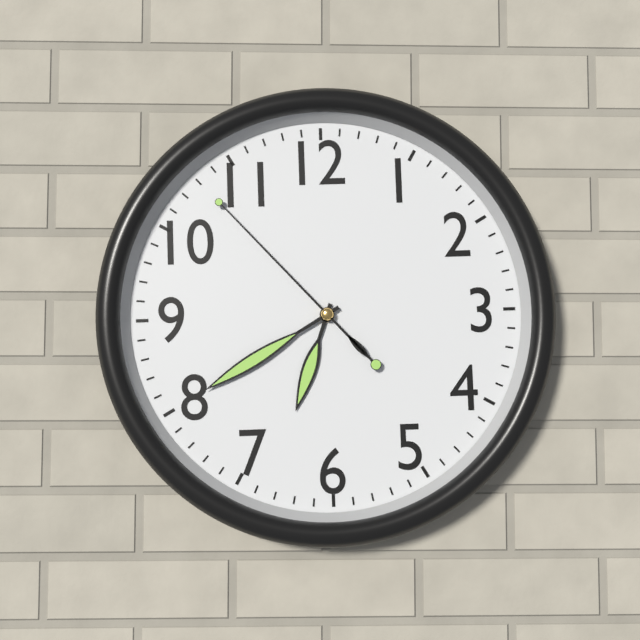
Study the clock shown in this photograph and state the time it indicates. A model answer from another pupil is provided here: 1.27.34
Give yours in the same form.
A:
6.40.53
